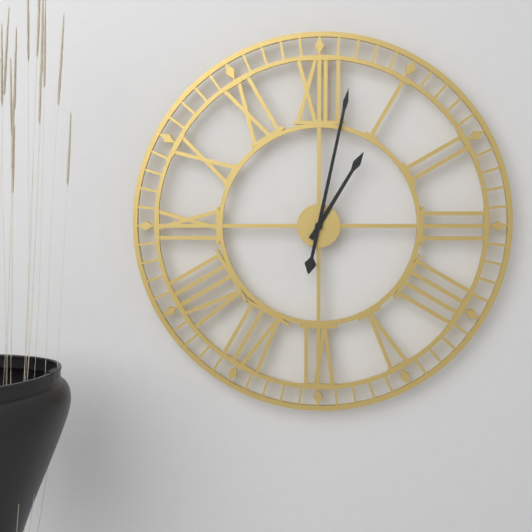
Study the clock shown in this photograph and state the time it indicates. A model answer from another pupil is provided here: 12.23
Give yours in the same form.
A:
1.02
